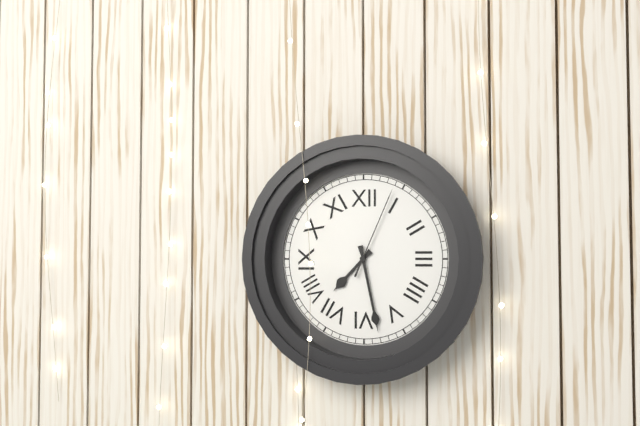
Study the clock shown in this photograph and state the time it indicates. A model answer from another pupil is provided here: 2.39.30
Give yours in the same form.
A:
7.28.04
